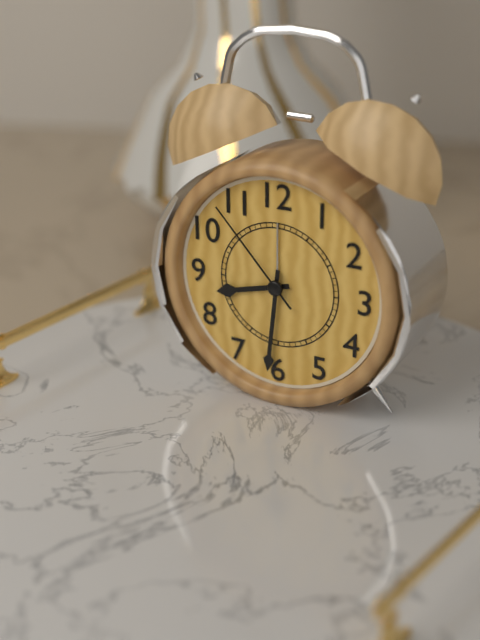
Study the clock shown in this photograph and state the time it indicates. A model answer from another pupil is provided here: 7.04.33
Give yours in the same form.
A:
8.31.53
